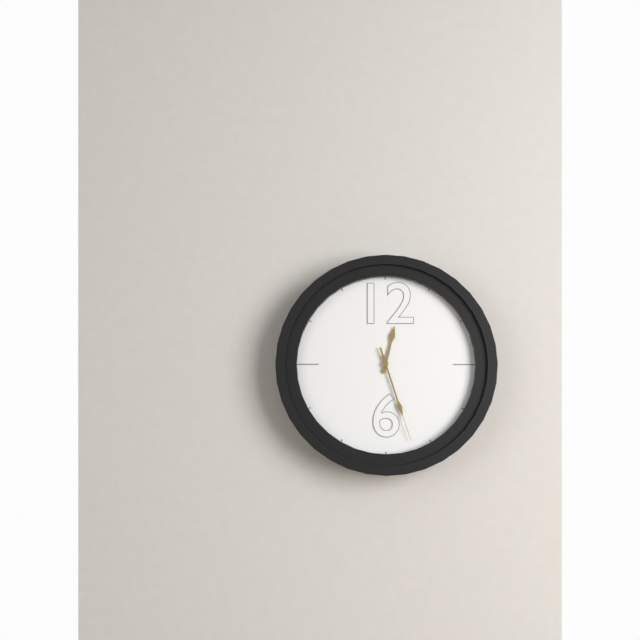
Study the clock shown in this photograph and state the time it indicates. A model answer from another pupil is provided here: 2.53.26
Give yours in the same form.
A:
12.27.27
